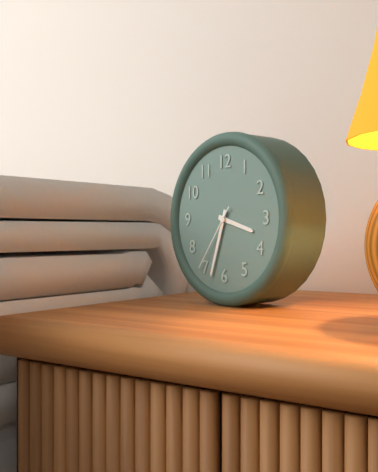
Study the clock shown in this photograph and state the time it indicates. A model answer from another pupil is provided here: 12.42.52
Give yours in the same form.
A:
3.33.36
